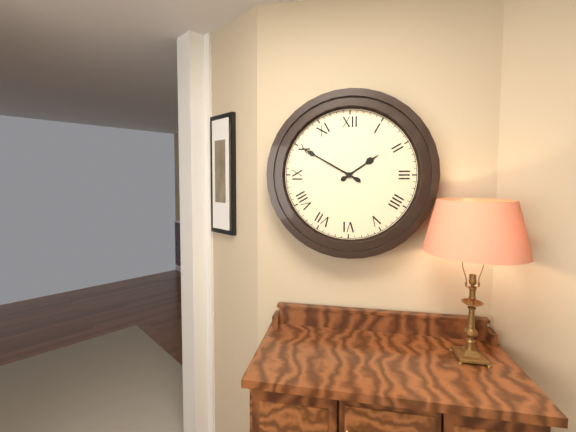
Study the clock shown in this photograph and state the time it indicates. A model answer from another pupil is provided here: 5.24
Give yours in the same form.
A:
1.50
